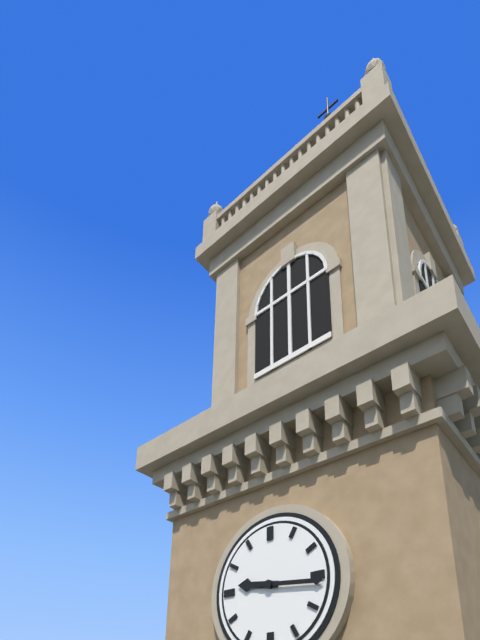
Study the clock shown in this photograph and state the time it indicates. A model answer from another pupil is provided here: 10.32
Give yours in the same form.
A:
9.16
